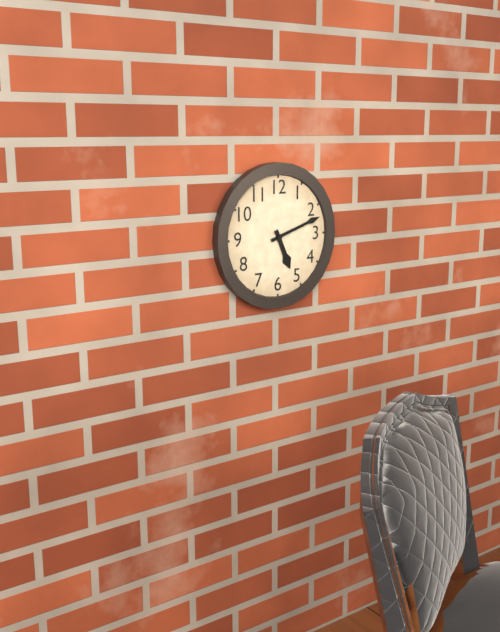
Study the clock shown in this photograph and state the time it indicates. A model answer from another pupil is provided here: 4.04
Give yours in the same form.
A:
5.12
